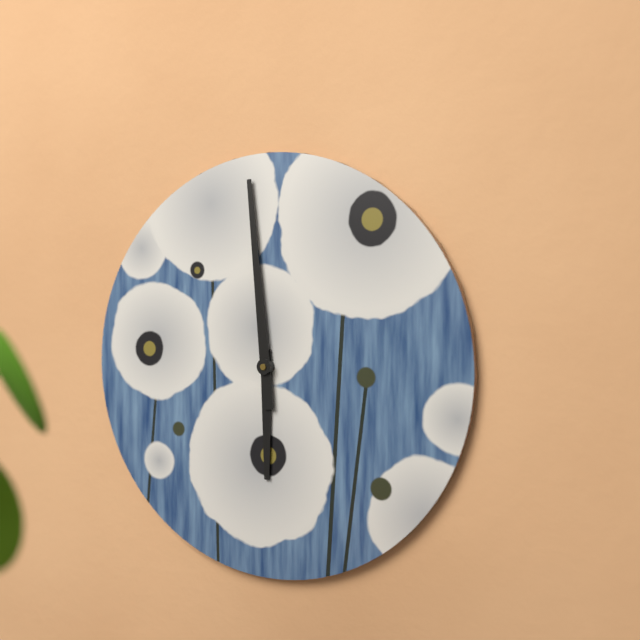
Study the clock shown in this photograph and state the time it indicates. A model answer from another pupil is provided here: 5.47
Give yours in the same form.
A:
5.59
